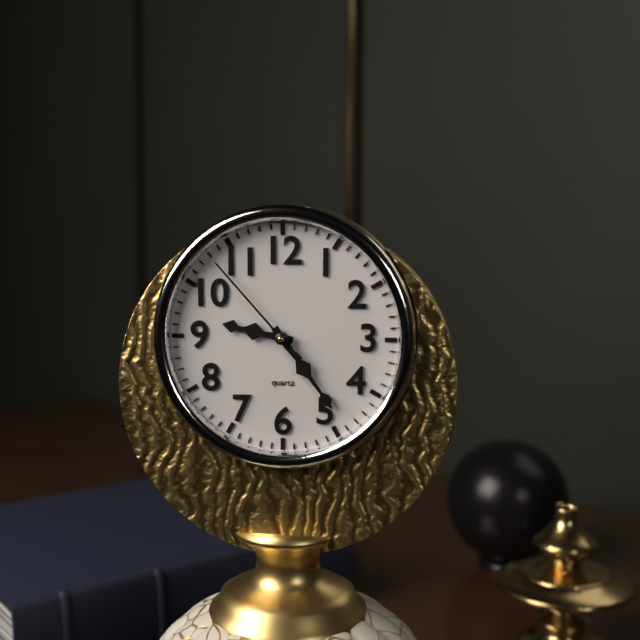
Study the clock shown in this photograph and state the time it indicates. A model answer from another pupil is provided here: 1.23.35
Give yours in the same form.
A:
9.24.53
